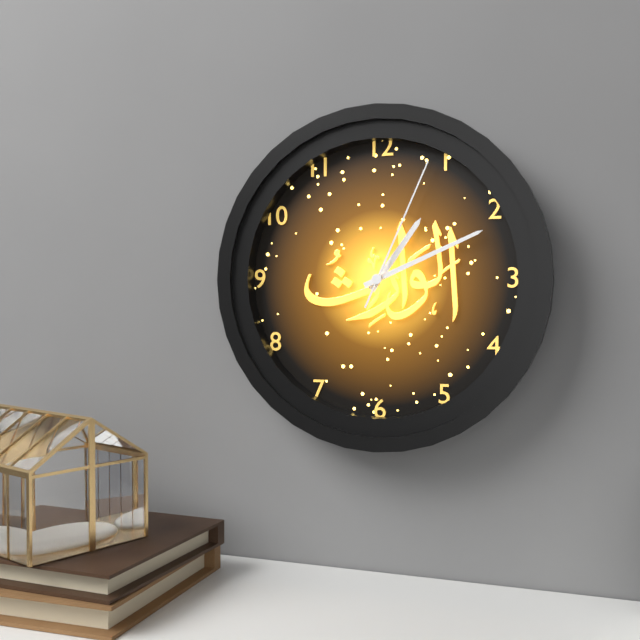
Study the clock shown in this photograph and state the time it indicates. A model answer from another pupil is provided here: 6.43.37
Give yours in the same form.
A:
1.11.04
